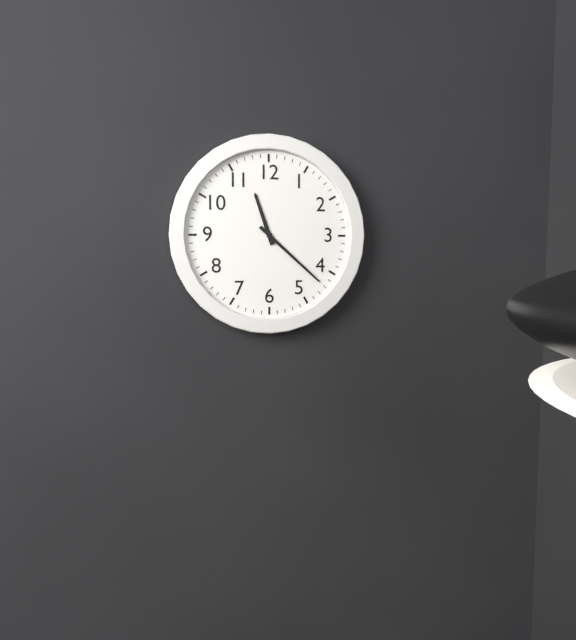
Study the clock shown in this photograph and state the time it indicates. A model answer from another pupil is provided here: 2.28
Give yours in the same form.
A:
11.22
